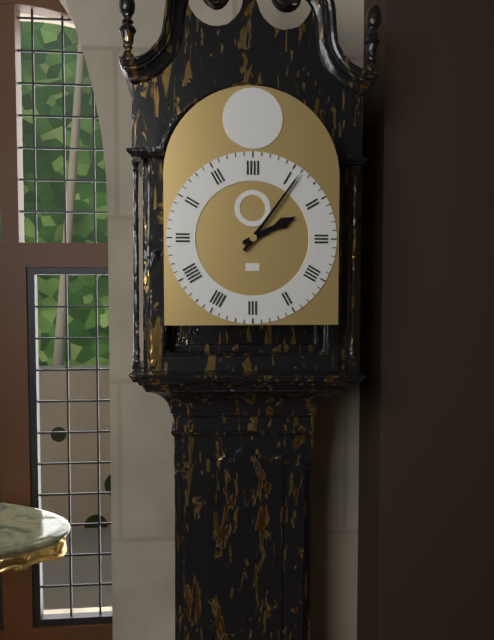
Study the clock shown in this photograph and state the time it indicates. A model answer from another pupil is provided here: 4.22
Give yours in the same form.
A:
2.06
